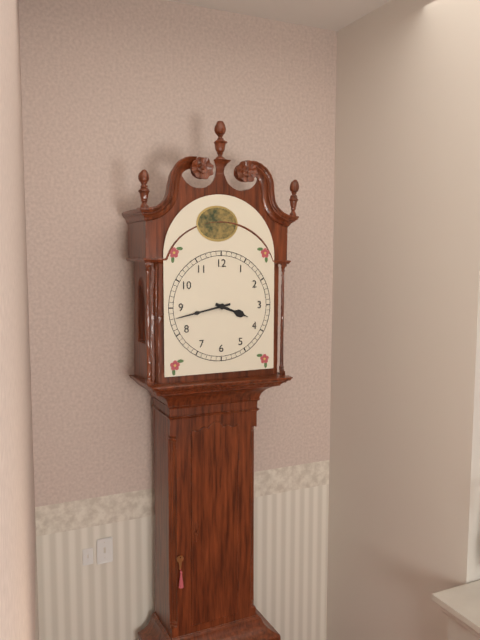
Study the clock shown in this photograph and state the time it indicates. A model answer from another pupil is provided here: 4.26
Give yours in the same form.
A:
3.43
